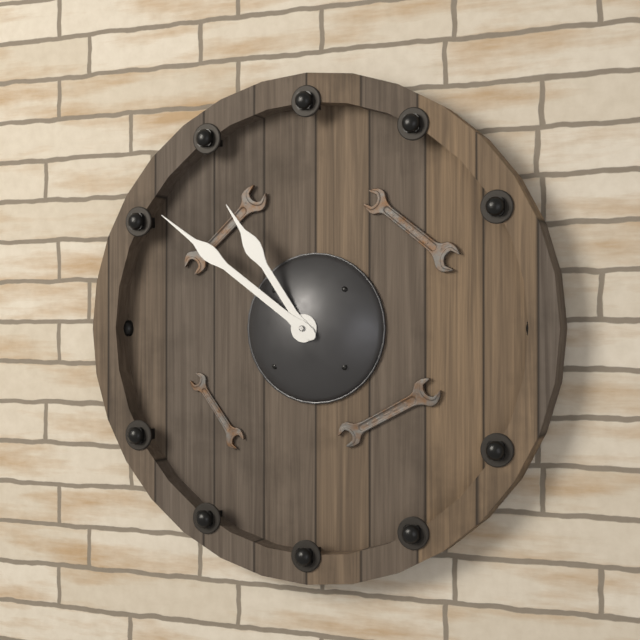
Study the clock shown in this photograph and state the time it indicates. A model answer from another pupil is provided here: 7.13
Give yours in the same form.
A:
10.51
